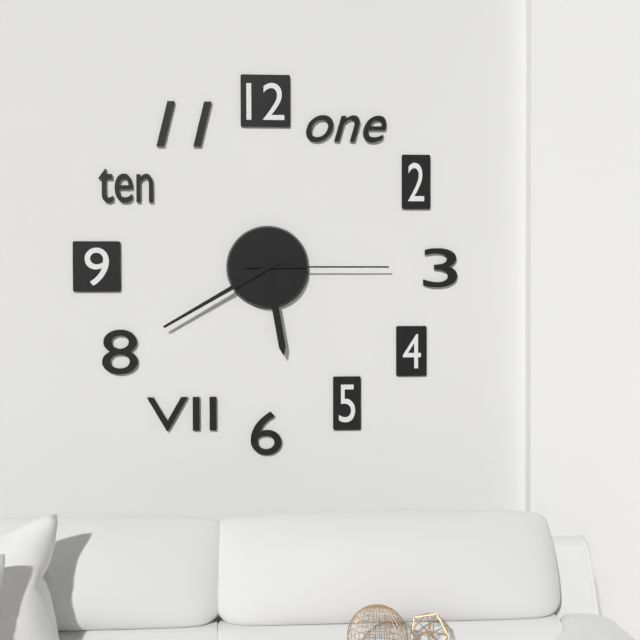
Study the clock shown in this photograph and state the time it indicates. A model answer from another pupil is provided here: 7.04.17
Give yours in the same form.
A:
5.40.15
